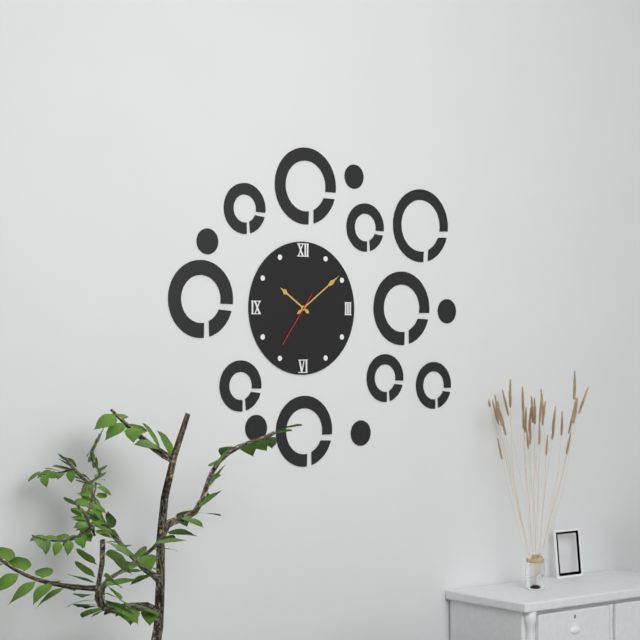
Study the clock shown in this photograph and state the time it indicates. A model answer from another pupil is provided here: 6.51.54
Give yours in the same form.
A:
10.09.36
